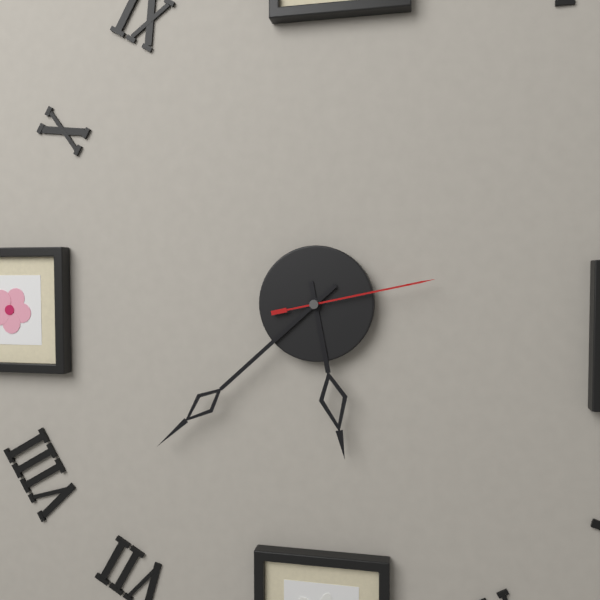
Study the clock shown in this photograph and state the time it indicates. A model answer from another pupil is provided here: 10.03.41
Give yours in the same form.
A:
5.38.13
